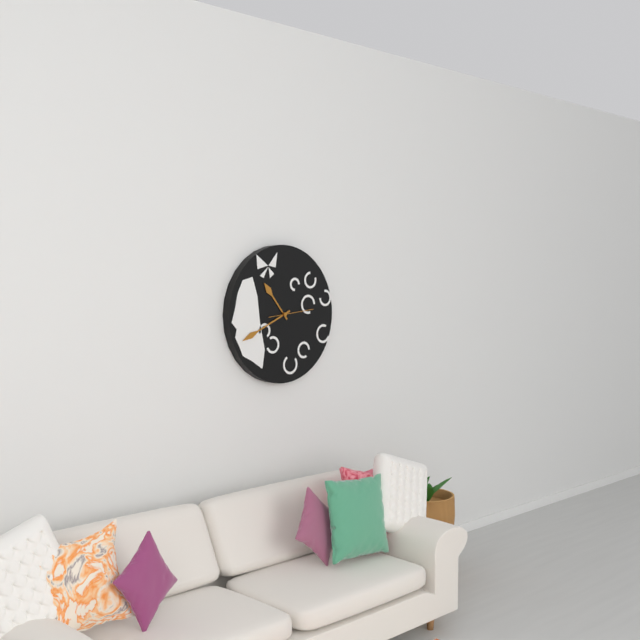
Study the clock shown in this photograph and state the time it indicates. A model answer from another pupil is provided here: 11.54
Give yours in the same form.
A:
10.41
